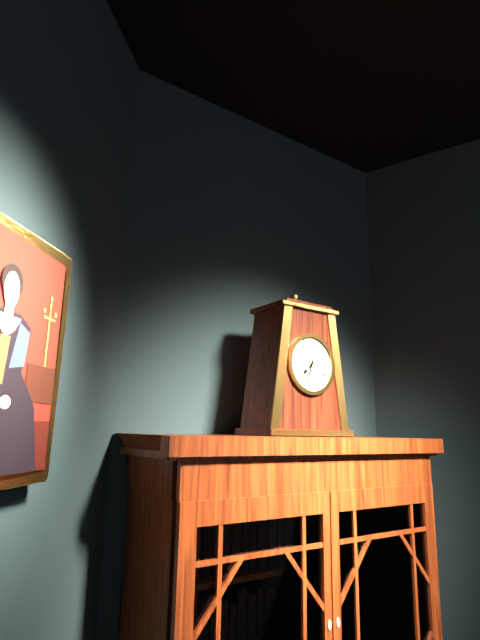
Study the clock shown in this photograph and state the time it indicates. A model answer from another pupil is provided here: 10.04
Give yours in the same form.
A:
7.33
